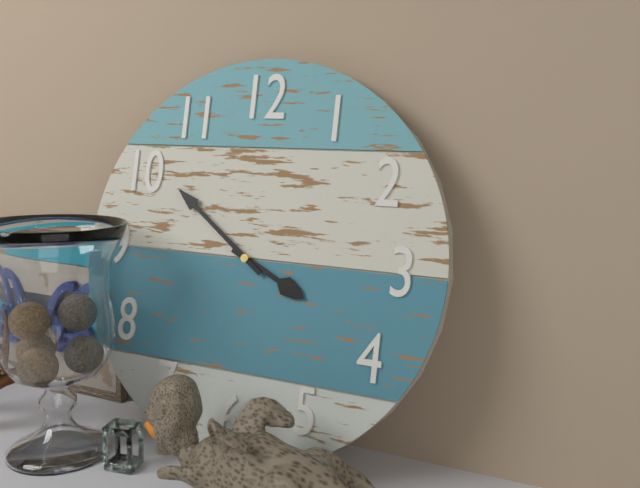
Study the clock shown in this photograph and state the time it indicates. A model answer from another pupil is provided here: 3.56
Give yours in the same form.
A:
3.51
